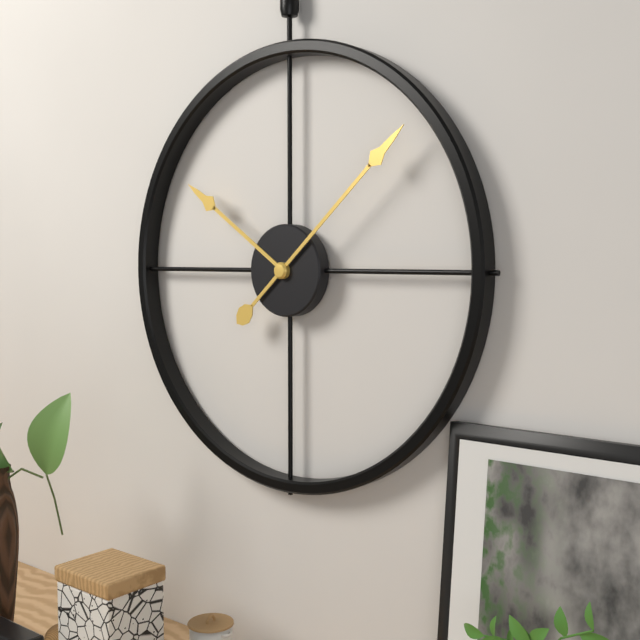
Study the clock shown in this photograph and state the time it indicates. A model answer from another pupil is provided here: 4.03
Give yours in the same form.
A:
10.08
